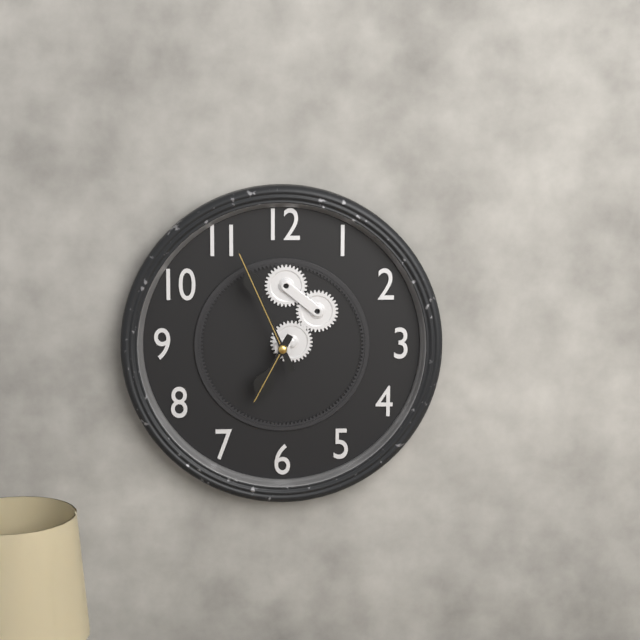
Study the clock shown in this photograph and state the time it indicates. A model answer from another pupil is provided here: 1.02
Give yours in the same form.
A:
6.56
